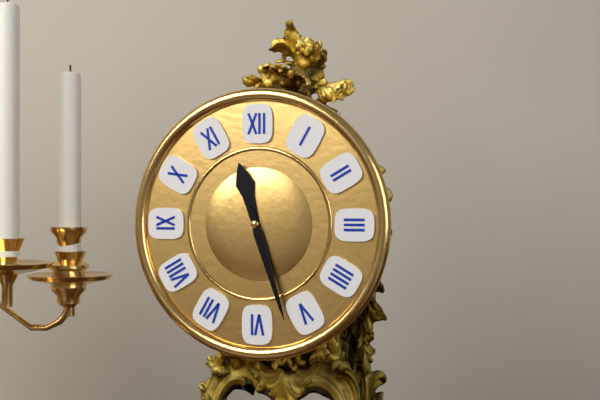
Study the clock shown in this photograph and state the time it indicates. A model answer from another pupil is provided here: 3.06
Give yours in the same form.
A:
11.27
